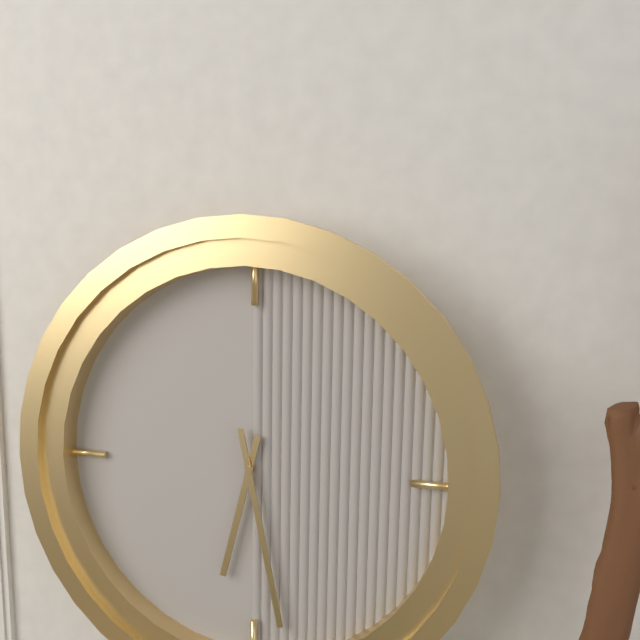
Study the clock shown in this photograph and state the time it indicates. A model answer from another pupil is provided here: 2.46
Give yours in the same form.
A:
6.28
